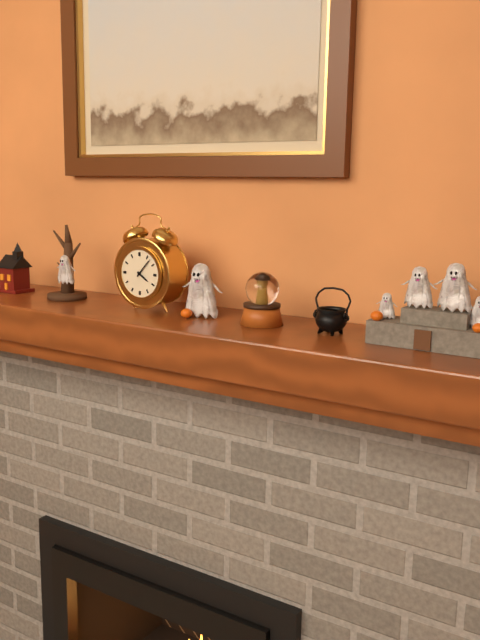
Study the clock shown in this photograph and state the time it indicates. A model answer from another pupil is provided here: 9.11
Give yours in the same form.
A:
4.07
